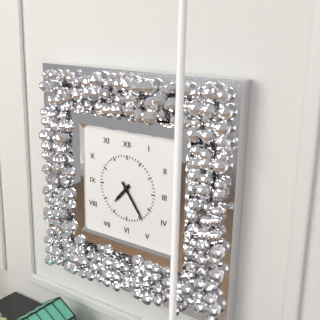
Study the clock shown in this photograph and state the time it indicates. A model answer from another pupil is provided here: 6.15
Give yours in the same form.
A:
7.24
